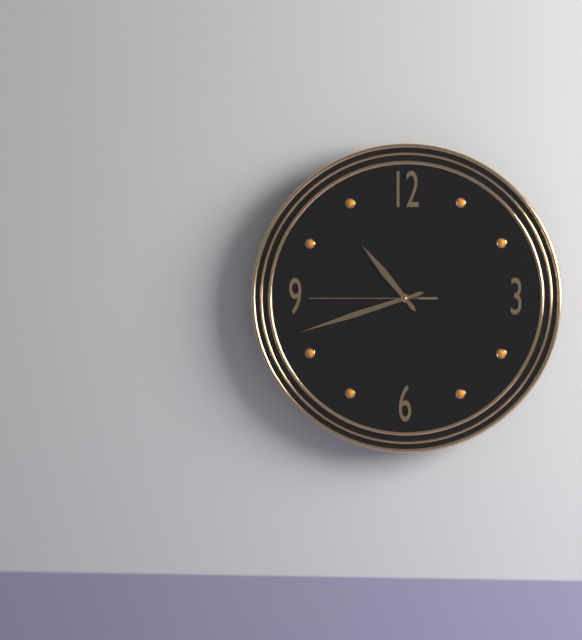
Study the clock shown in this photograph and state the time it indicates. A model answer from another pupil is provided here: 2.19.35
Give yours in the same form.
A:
10.42.45
